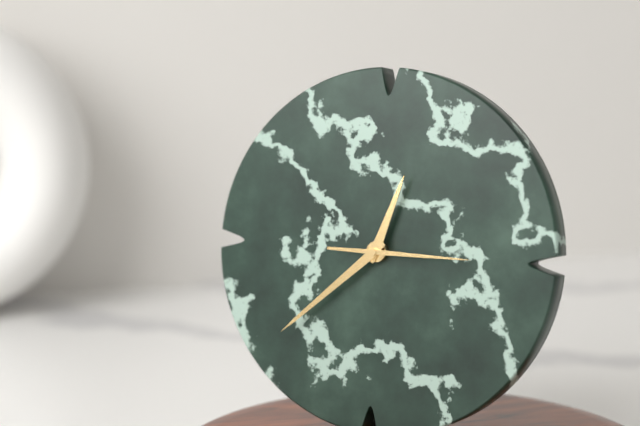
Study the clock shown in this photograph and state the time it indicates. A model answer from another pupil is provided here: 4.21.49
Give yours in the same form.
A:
12.38.15
